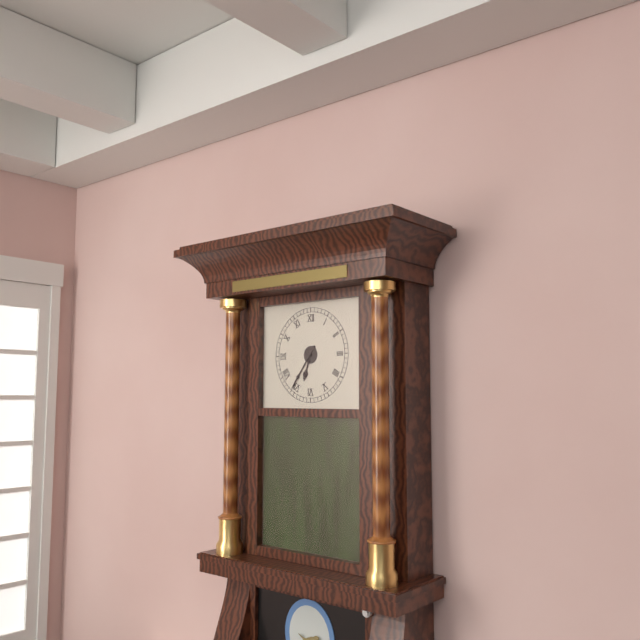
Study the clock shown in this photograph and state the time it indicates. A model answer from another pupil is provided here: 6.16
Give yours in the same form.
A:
6.36
